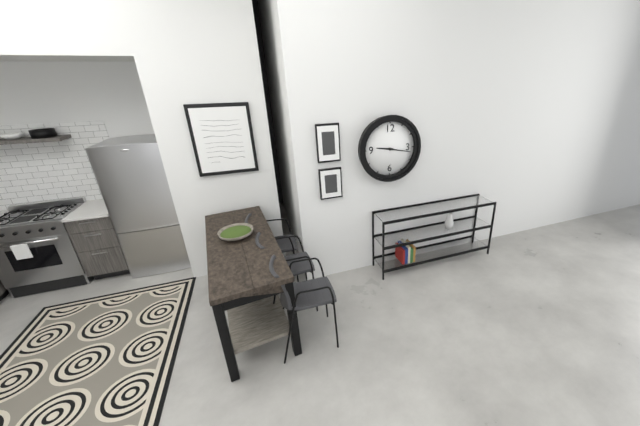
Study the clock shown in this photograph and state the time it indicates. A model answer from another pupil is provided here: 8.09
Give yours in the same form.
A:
9.17
